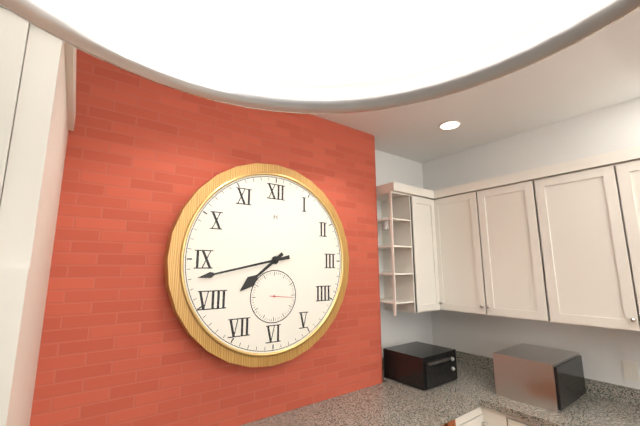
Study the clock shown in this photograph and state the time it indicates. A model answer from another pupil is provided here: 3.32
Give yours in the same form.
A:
7.43
